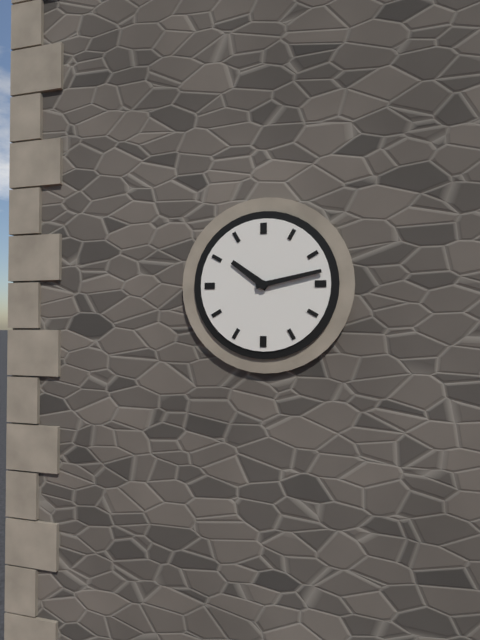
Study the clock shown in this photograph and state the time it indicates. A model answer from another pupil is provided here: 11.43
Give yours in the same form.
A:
10.13
